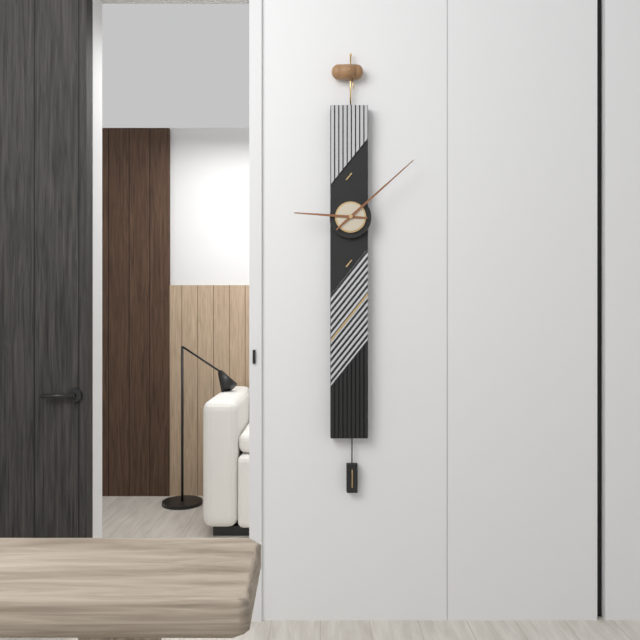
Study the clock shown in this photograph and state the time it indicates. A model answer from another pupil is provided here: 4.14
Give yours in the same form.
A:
9.08
